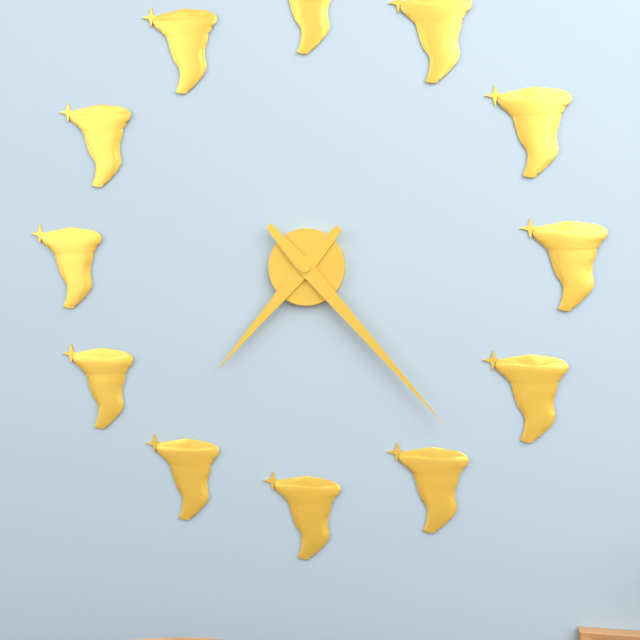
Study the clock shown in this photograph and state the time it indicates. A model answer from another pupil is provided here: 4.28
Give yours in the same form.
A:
7.23
